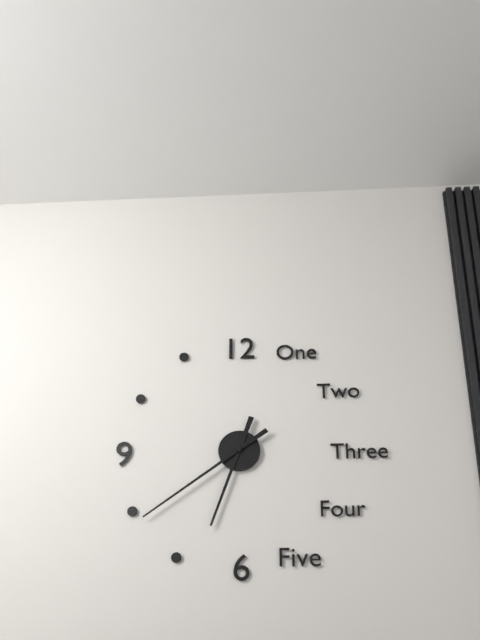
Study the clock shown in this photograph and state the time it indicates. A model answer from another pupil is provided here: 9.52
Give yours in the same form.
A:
6.39
